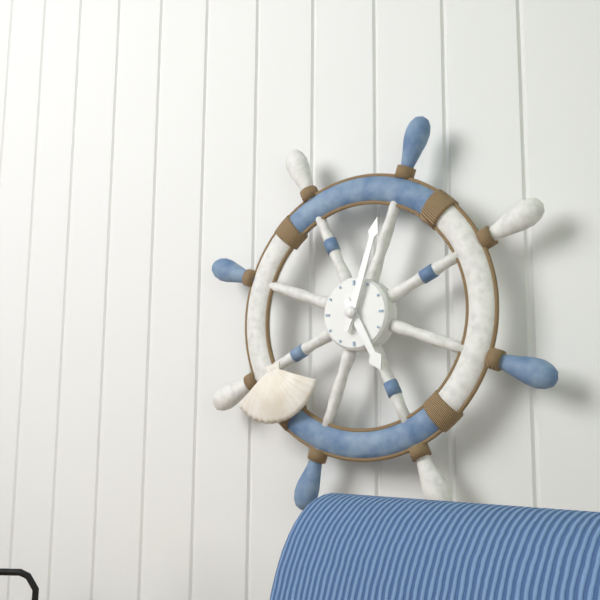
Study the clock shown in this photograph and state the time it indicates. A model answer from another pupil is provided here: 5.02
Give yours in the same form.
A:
5.03
